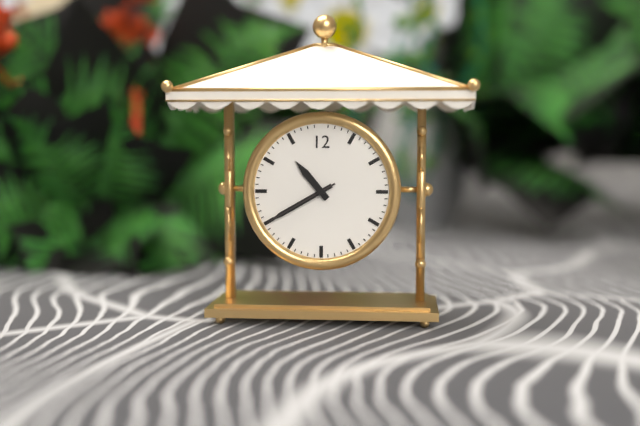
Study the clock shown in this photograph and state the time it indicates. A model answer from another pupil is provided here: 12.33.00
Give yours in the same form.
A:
10.40.40
